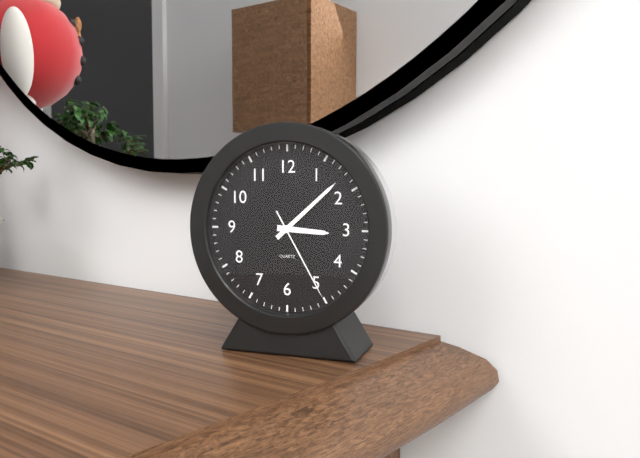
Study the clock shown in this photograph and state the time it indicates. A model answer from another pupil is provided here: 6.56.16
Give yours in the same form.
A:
3.08.25
